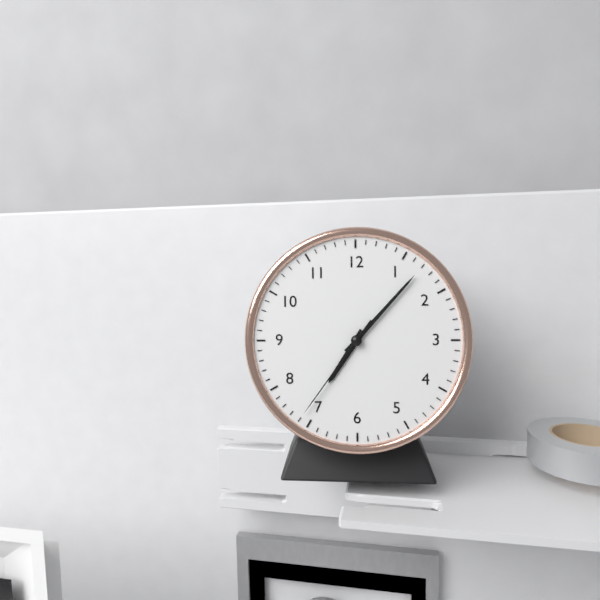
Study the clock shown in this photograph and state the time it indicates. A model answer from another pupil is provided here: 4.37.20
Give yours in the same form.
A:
7.07.36
